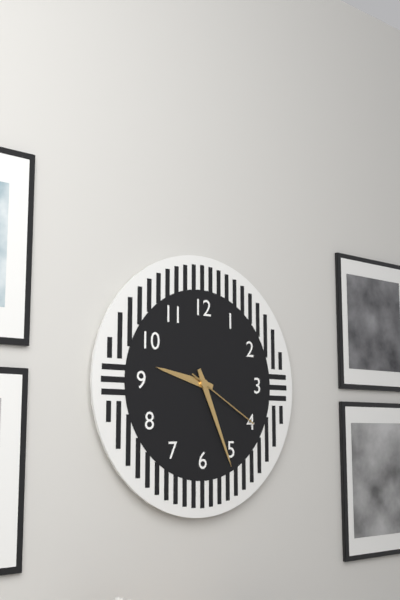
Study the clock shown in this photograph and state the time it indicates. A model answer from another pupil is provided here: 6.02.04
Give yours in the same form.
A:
9.26.20
